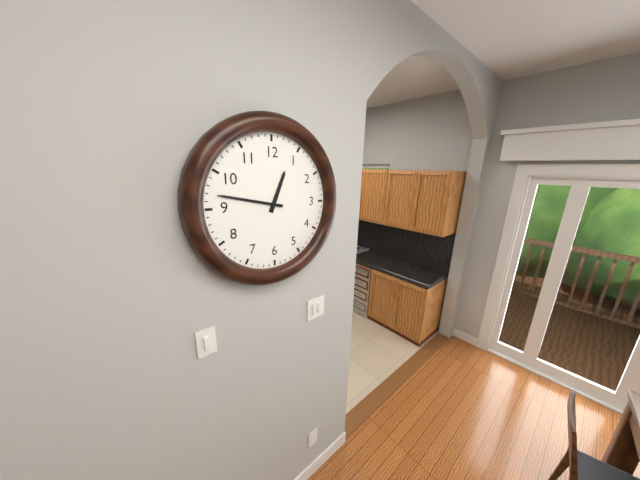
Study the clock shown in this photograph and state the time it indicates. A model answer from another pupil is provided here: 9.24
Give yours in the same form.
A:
12.47
